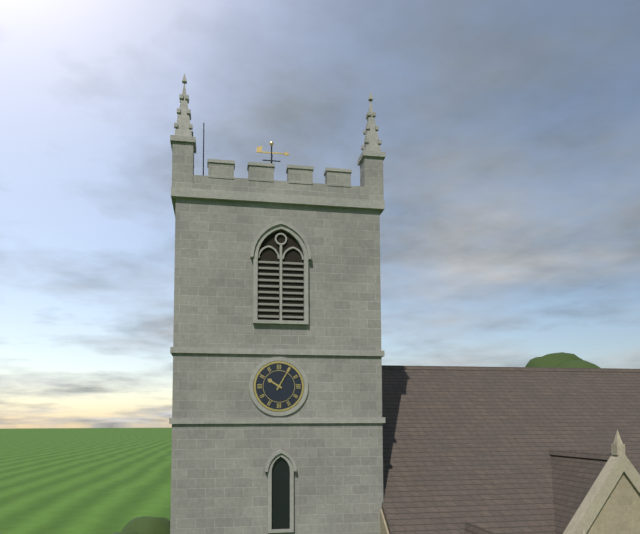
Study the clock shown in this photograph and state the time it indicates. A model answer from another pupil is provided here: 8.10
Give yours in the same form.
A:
10.05
